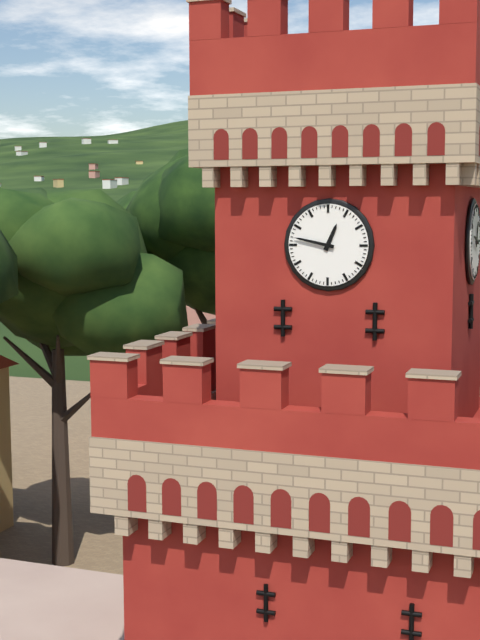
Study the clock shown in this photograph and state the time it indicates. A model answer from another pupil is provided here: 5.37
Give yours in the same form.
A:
12.47
